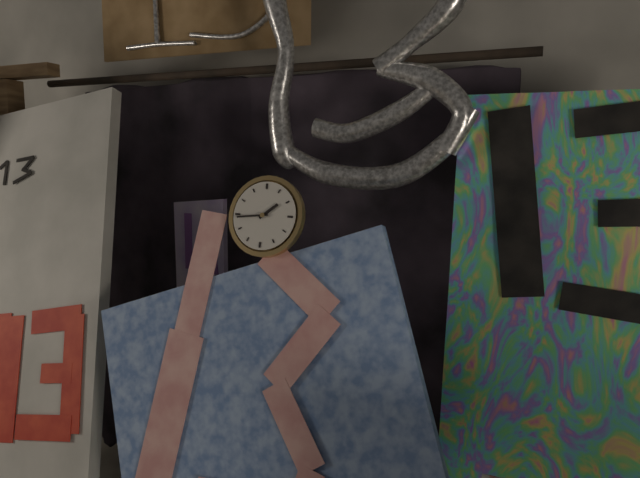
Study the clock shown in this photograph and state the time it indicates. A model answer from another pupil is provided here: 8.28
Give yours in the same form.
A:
1.44
